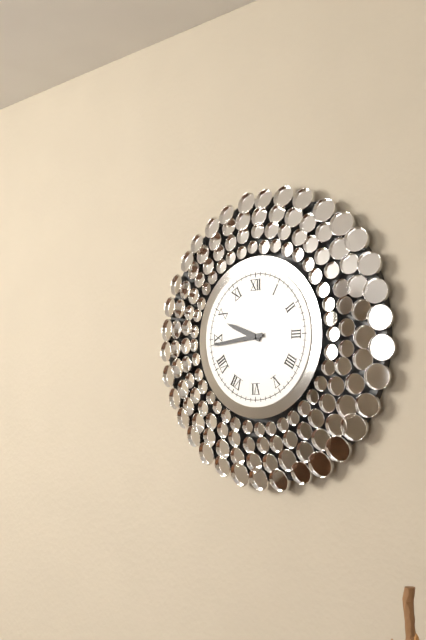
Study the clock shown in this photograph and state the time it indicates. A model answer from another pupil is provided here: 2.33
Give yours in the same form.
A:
9.44
